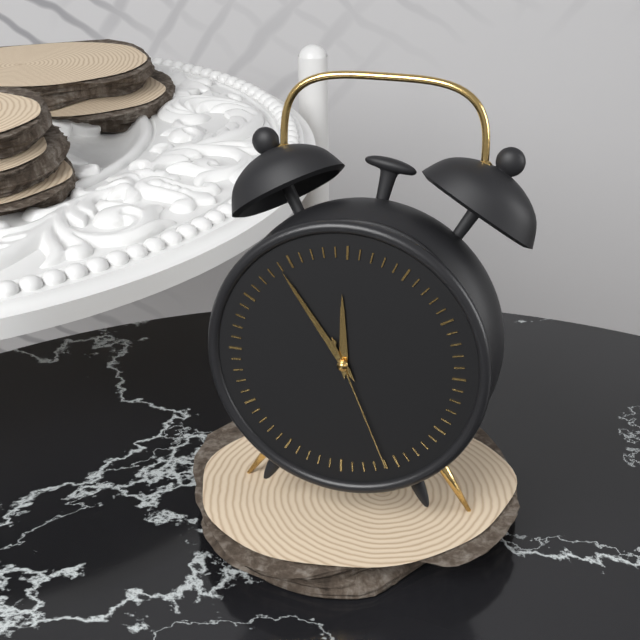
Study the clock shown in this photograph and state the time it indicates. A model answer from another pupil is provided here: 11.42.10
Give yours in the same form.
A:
11.54.26
